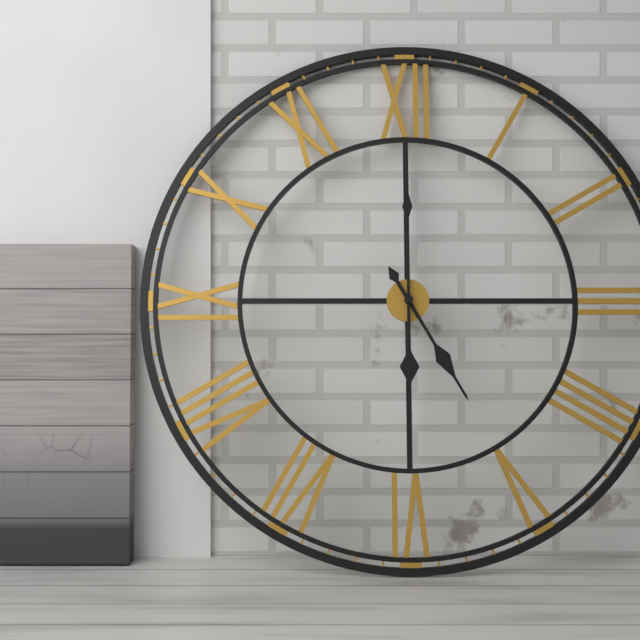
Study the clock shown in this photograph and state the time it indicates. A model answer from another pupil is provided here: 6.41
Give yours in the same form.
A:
5.00
